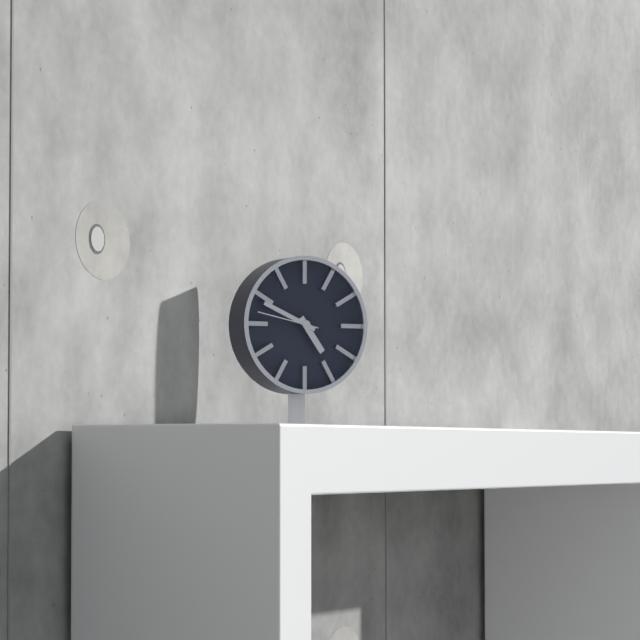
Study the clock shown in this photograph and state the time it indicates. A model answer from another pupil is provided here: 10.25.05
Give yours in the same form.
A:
4.49.47
